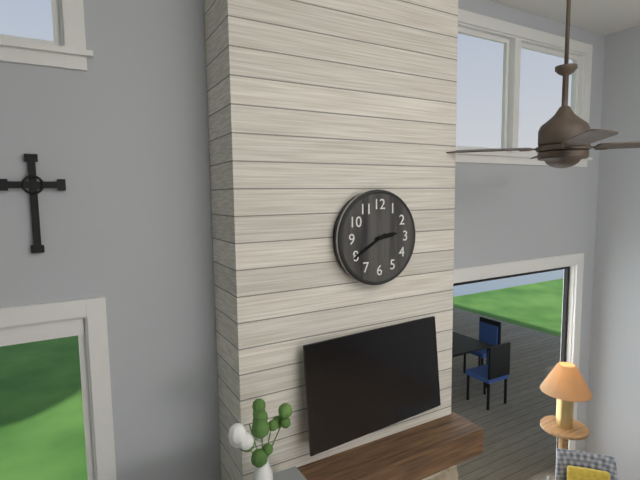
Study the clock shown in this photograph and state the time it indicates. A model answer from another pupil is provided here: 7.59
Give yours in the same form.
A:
2.40
